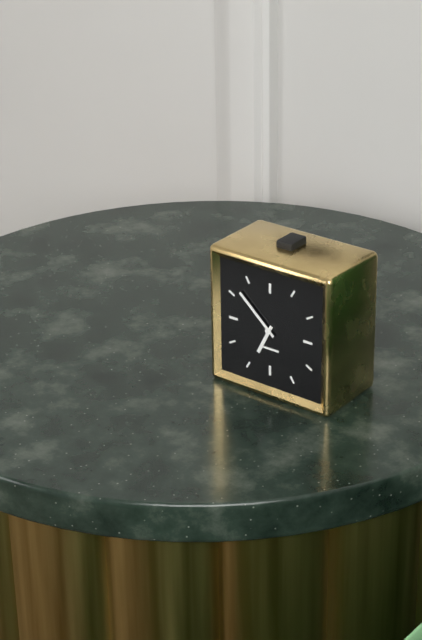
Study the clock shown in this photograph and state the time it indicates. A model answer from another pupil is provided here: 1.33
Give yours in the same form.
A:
6.52
